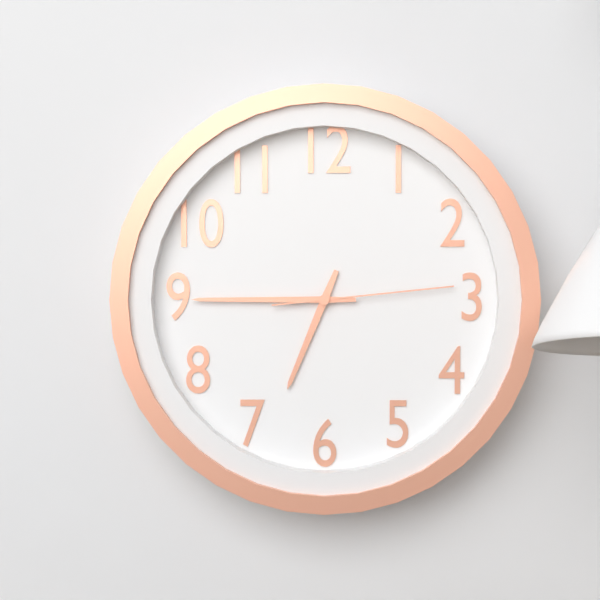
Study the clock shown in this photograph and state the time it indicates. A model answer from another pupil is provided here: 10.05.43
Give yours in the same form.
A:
6.45.14
